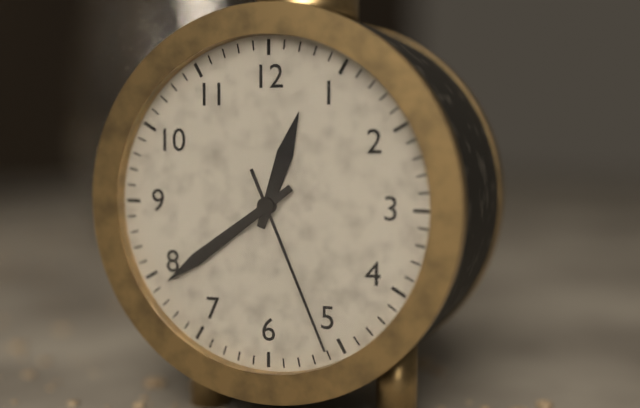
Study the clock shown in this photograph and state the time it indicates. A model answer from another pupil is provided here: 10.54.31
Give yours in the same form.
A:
12.39.26
